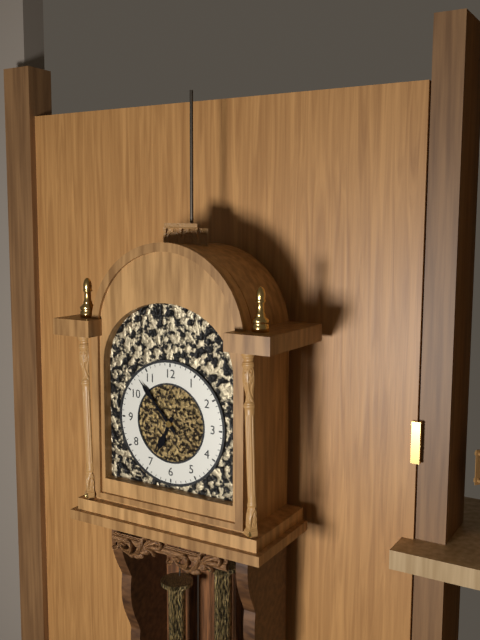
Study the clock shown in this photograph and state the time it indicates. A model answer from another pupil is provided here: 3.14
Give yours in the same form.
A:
6.53
